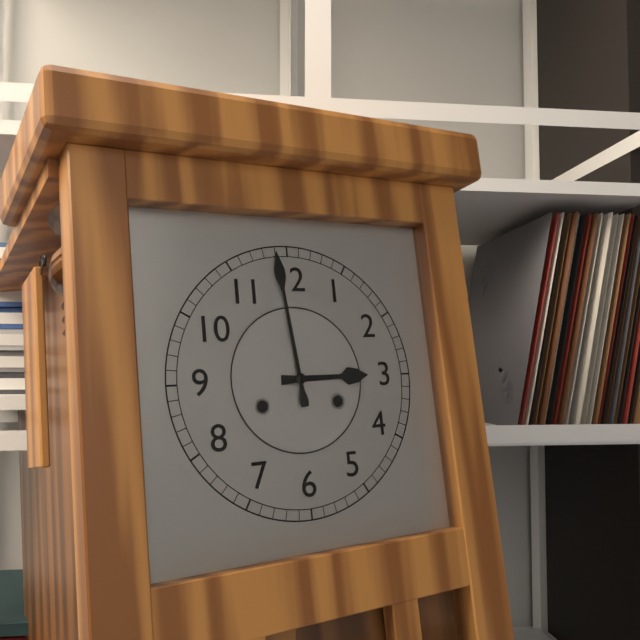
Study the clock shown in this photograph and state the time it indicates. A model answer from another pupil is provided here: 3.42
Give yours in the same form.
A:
2.59
